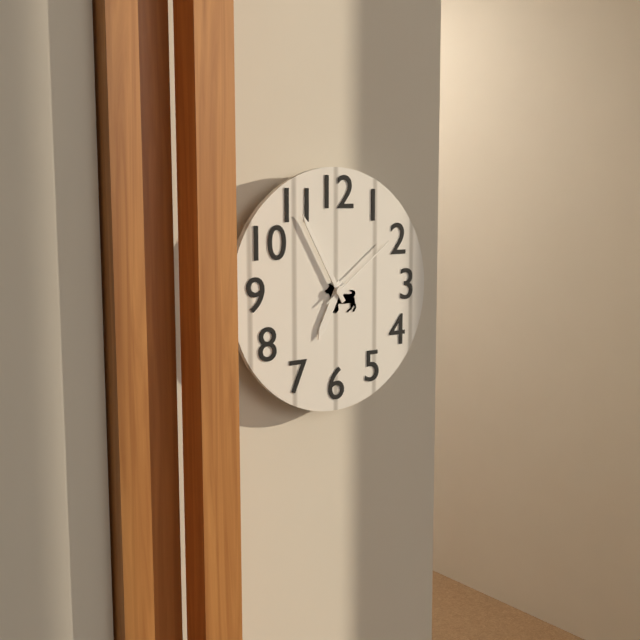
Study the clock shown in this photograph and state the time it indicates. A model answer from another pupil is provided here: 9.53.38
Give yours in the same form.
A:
6.55.09
